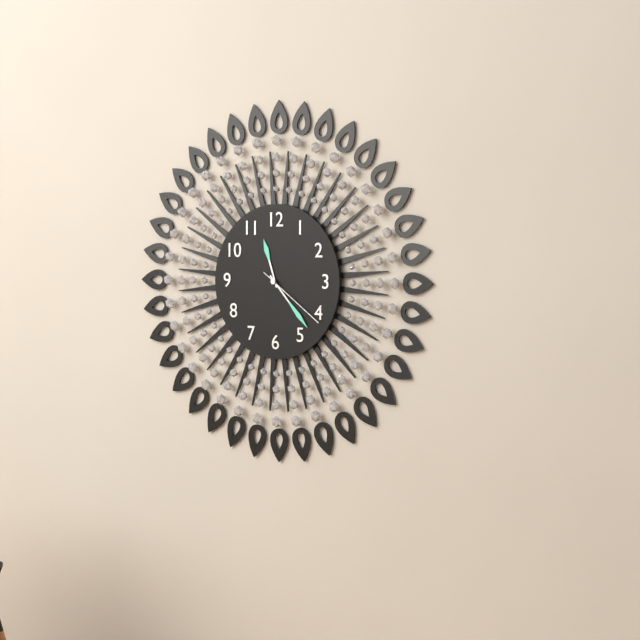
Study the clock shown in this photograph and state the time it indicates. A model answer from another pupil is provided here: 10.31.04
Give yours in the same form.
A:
11.23.21
